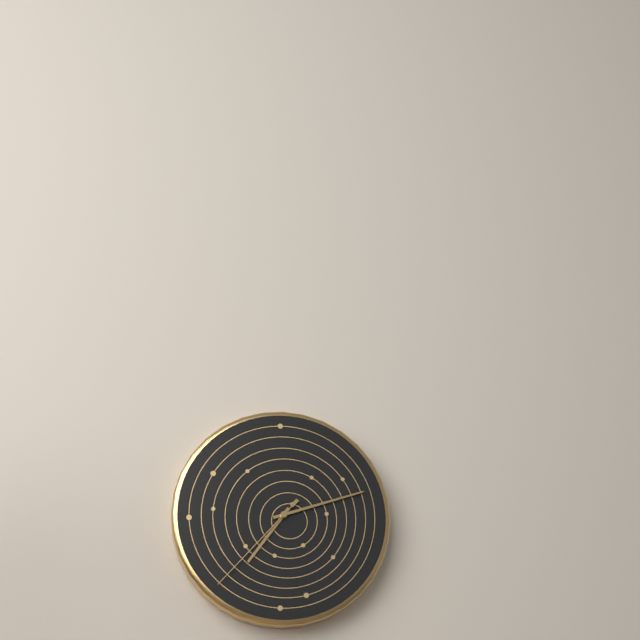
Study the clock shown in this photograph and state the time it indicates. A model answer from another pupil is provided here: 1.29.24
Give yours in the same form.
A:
7.12.37
